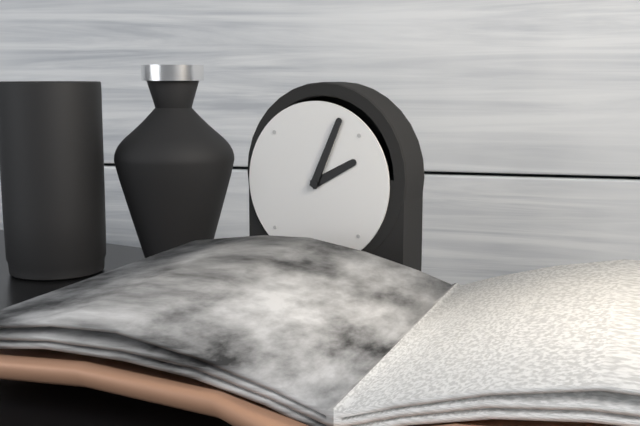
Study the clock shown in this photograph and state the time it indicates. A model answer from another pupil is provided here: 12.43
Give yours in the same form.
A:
2.04
